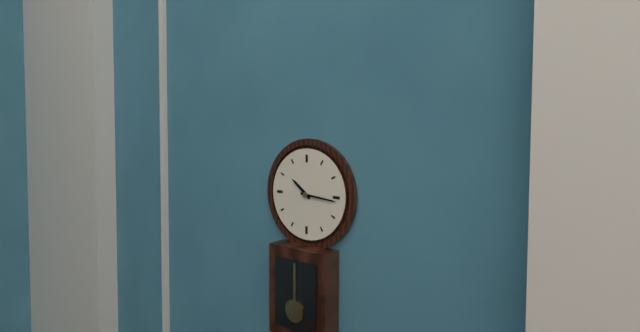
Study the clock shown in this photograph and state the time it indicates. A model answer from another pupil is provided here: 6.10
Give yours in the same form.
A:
10.16
